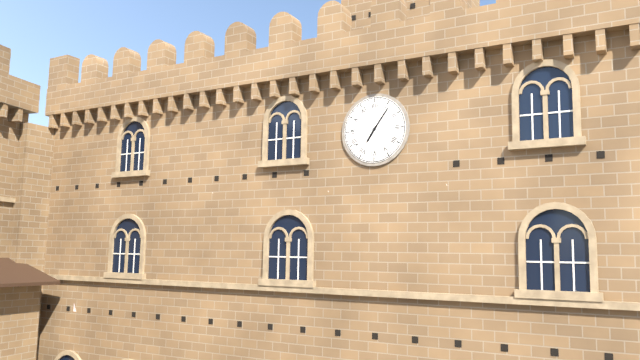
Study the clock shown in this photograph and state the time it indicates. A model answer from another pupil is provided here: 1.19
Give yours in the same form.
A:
7.06
